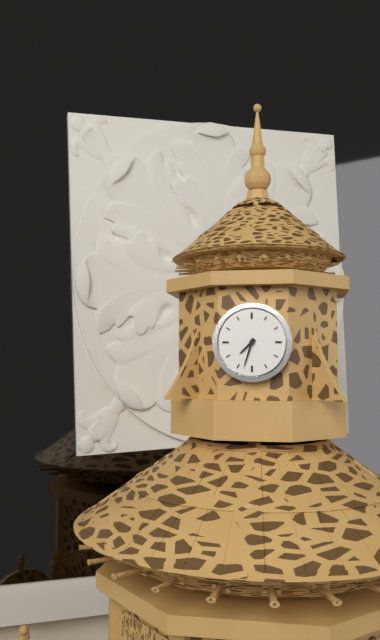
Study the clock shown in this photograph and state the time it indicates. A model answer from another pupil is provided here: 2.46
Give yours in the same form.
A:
7.33
